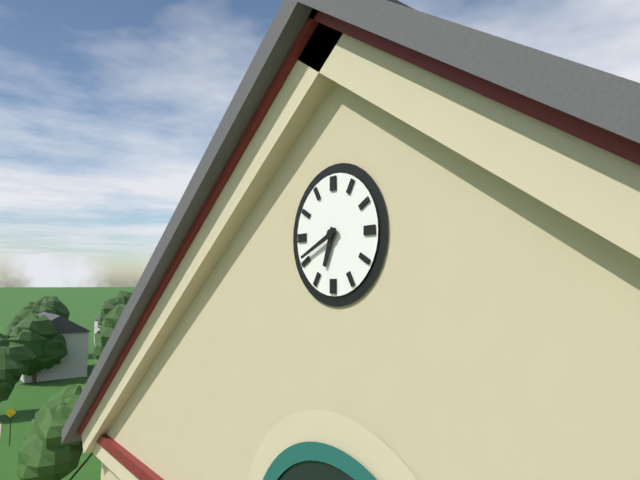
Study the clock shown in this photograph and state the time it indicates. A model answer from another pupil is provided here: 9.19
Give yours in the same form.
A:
6.41
